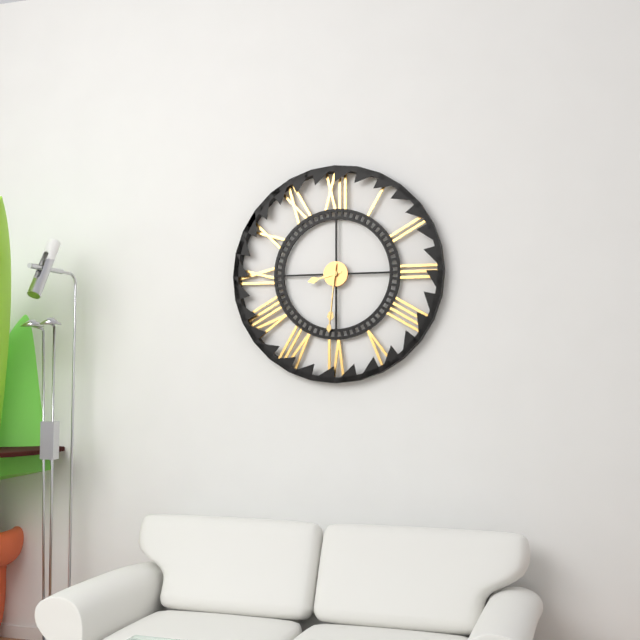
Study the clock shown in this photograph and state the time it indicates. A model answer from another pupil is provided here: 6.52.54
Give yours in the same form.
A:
8.31.31
